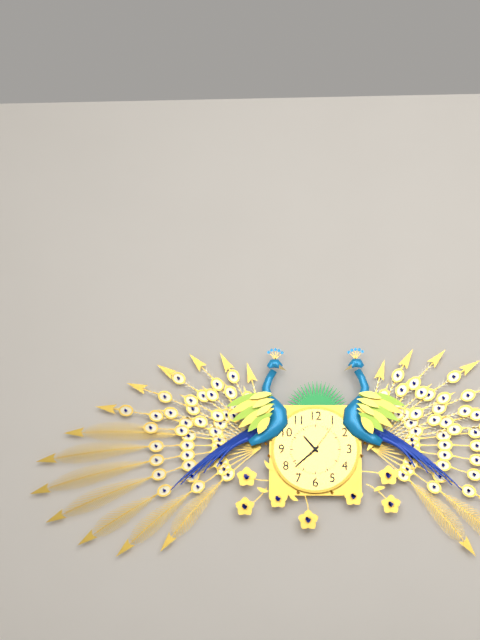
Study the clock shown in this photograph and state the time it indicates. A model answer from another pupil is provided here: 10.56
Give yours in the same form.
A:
10.38
